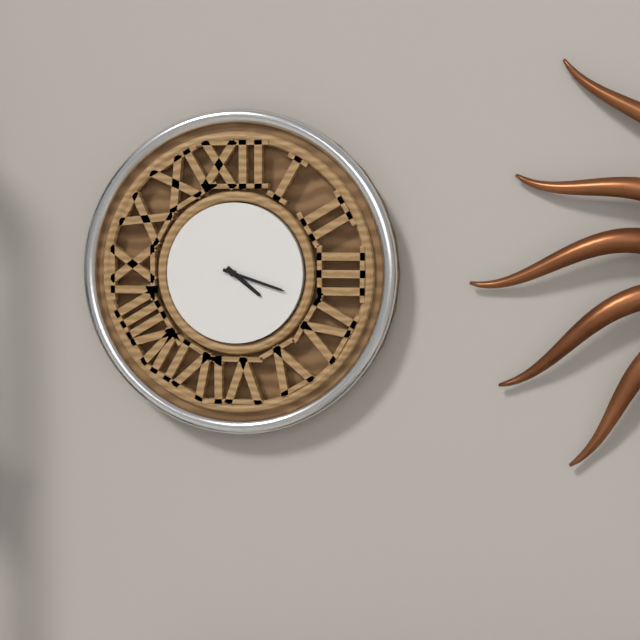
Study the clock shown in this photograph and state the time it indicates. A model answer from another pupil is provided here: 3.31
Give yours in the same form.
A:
4.18
